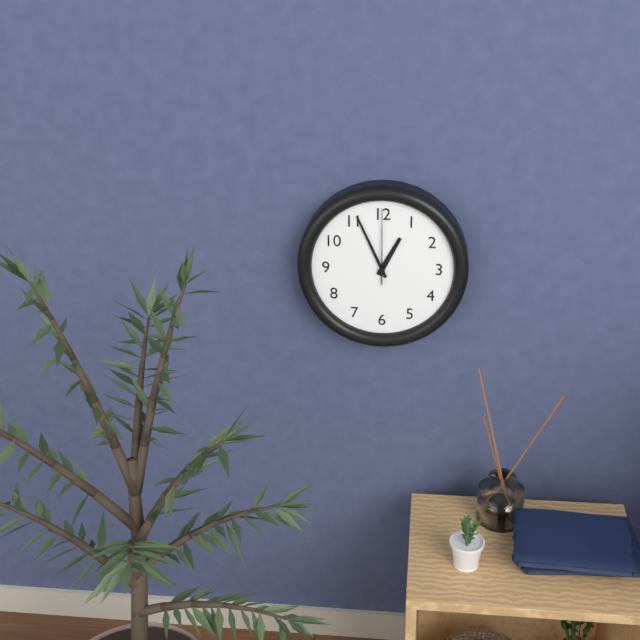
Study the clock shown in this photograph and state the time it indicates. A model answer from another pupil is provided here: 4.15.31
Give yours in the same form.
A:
12.56.00
